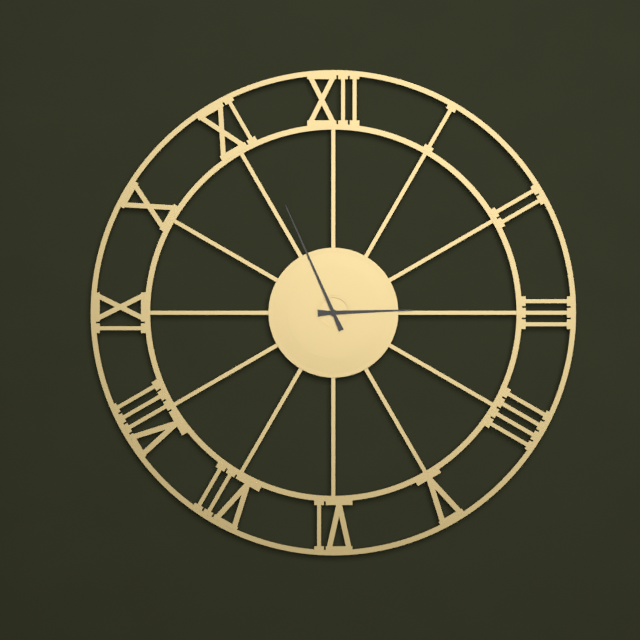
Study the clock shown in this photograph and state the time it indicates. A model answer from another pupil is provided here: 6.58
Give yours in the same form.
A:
2.56
